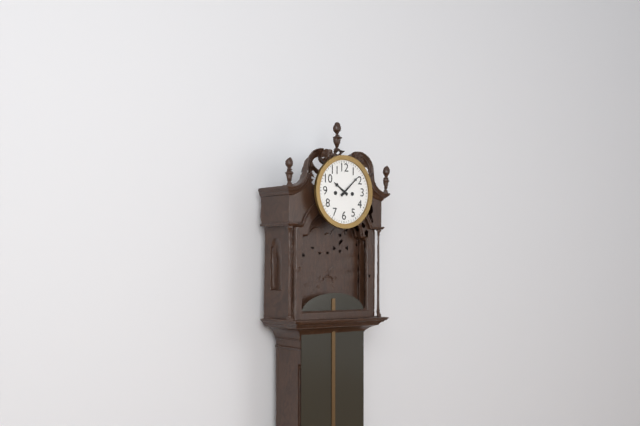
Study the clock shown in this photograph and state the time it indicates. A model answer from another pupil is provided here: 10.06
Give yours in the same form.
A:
10.08
